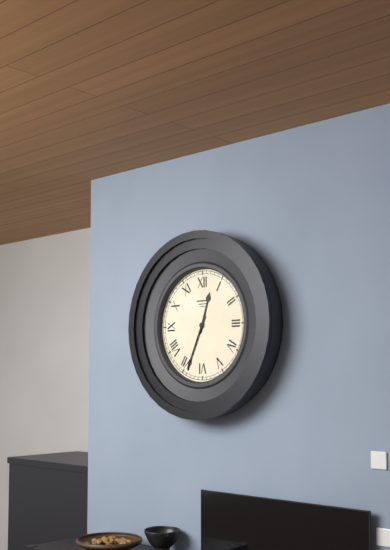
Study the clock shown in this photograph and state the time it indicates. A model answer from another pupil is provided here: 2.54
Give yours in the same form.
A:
12.34
